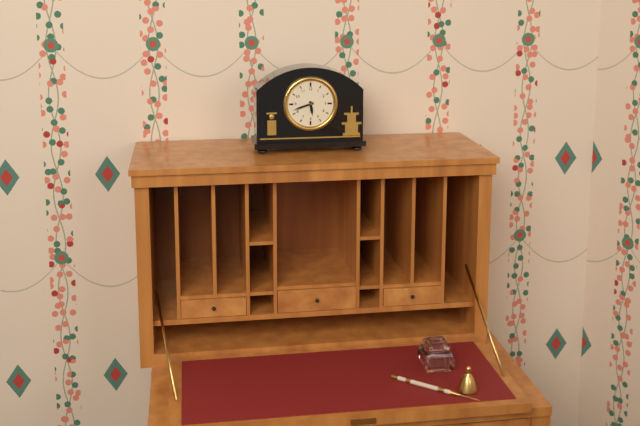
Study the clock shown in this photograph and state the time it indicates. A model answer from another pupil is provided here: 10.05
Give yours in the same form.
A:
5.42
